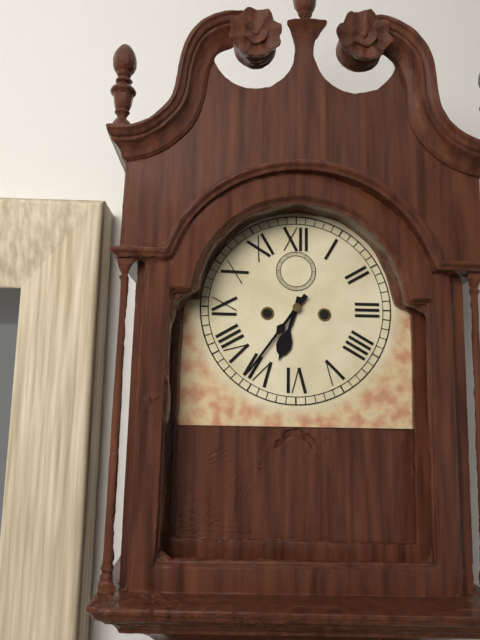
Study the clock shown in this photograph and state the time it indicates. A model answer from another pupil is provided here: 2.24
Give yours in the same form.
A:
6.36
